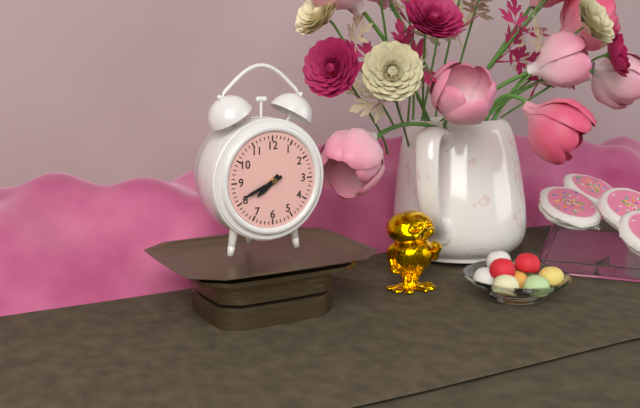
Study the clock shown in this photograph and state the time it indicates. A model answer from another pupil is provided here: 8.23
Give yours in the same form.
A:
7.41
